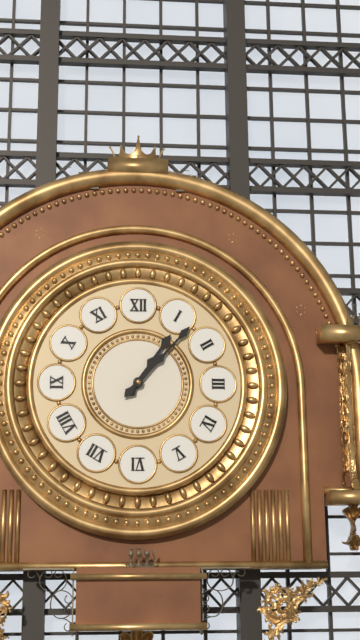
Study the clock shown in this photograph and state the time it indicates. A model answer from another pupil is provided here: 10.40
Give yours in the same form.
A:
1.07
